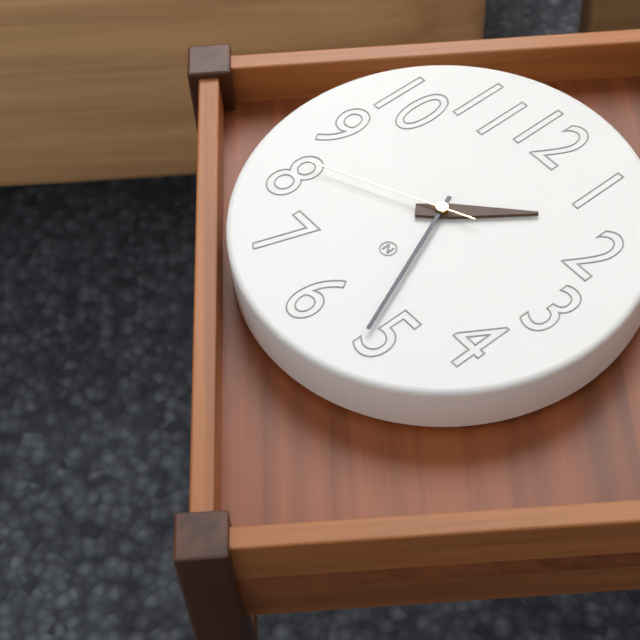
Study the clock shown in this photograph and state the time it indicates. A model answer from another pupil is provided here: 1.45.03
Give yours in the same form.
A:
1.26.41
